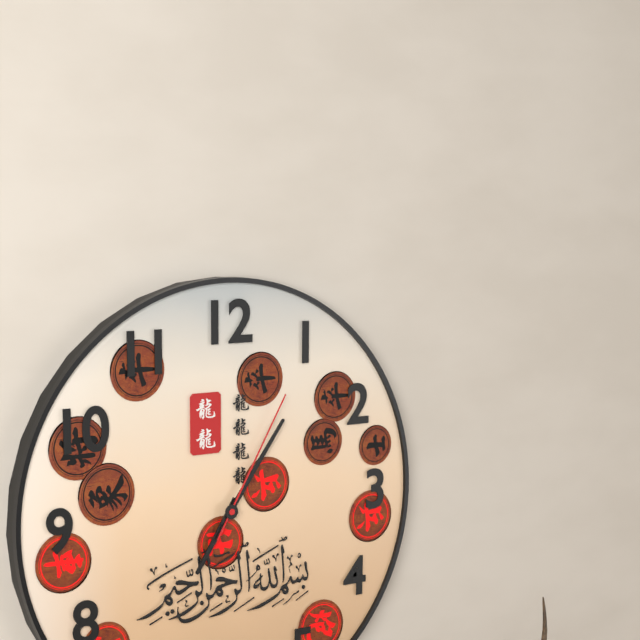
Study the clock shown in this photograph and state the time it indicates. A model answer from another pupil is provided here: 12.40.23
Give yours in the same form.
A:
7.06.05
